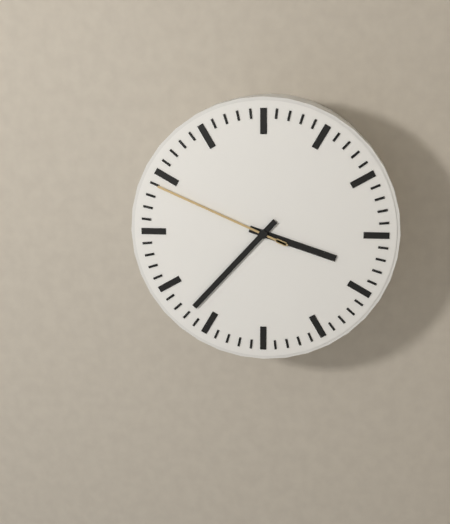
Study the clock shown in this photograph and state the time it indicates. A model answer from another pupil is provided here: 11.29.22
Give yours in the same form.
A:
3.37.49
